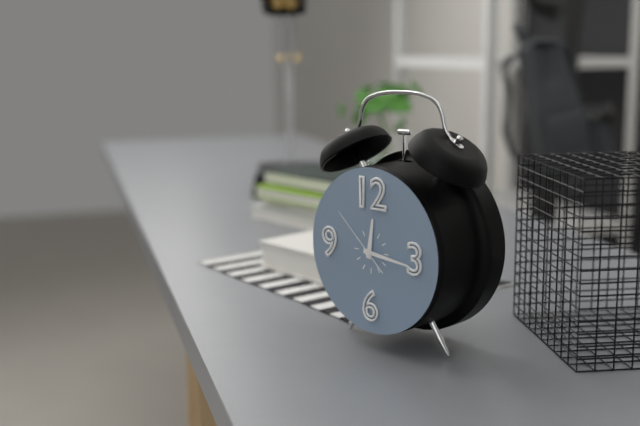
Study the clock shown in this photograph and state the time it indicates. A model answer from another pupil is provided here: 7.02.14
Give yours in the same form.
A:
12.16.52
